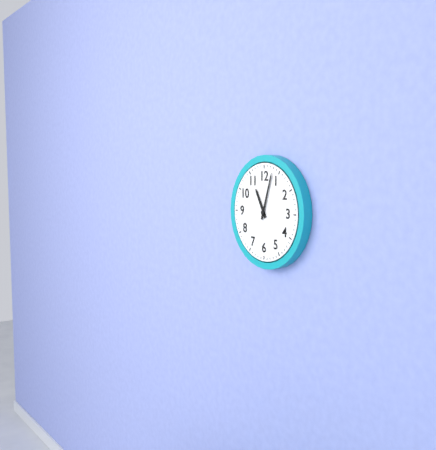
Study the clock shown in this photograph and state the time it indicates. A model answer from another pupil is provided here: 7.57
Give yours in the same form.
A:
11.03
